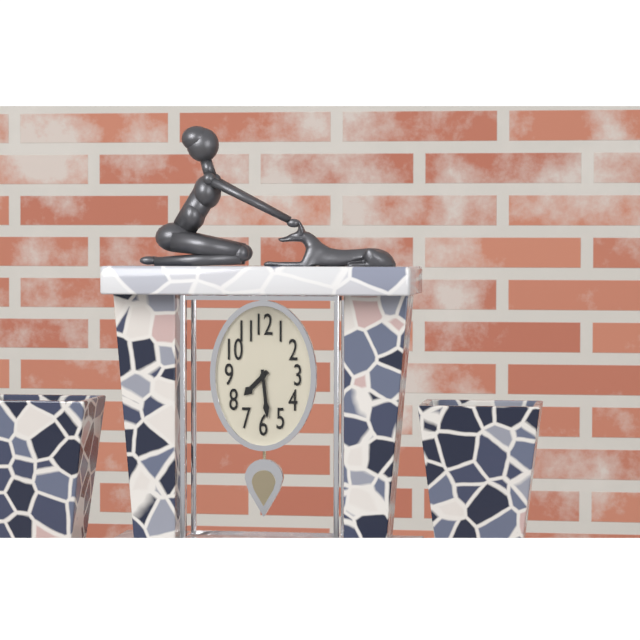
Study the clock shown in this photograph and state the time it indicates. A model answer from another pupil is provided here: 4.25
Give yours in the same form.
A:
7.29
